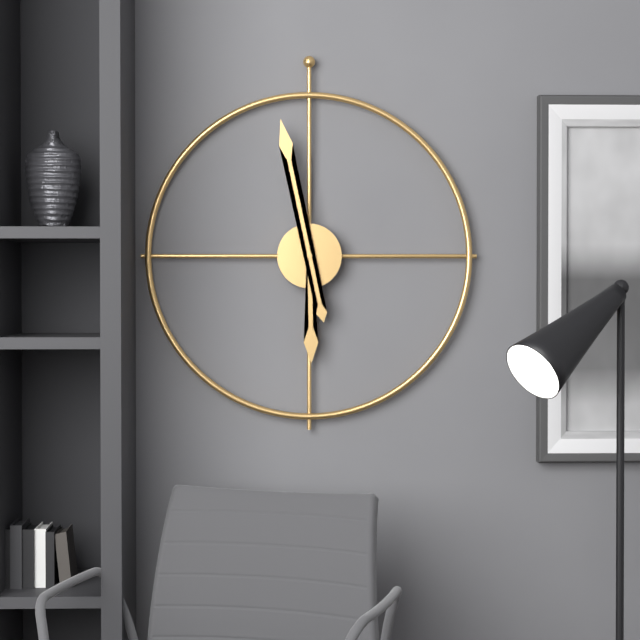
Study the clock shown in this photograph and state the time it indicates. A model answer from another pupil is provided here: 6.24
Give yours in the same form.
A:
5.58
